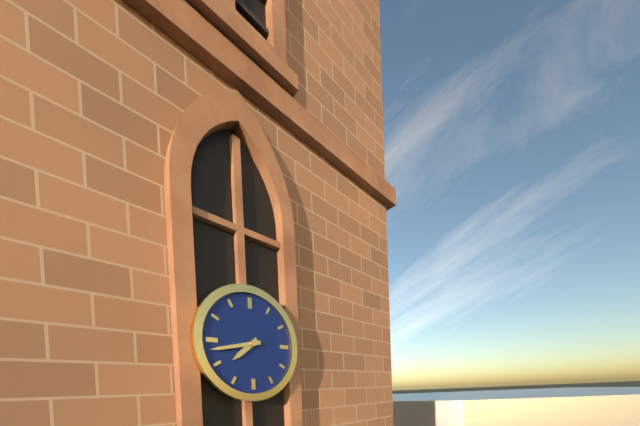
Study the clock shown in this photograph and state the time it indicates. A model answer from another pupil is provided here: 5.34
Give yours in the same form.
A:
7.43
